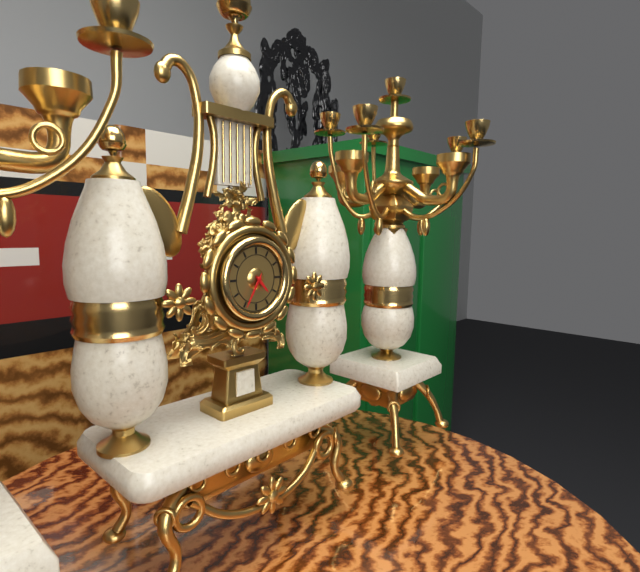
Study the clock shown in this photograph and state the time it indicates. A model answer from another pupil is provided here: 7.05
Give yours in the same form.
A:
4.35
